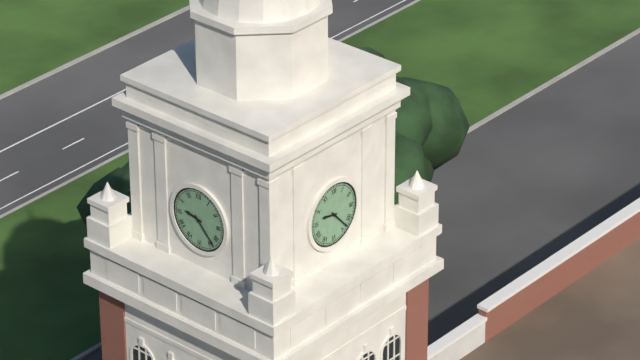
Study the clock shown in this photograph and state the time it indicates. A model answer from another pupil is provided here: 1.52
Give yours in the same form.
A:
9.23
